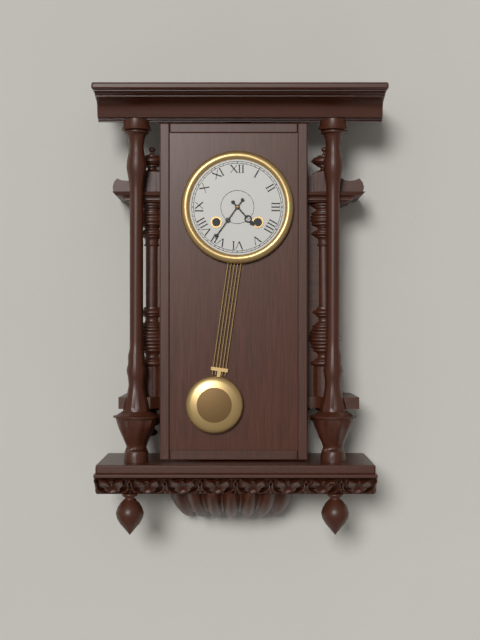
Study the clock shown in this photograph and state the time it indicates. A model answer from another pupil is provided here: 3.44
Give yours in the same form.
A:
4.36
